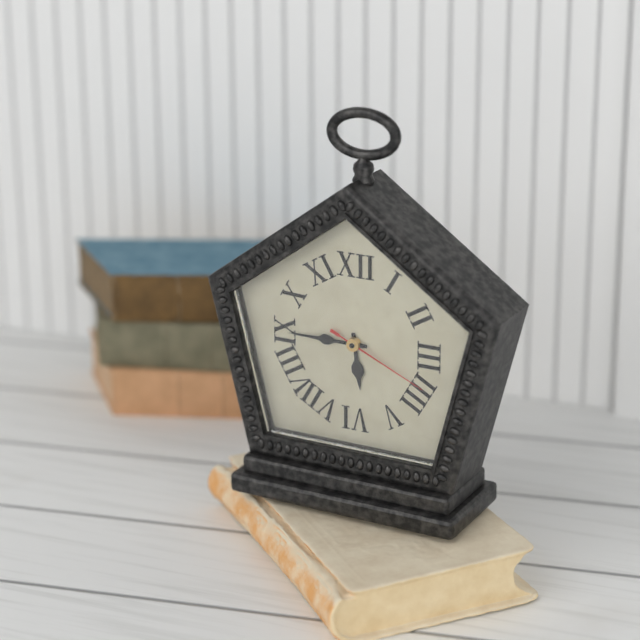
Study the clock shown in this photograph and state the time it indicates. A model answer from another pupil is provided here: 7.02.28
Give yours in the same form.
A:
5.45.19
